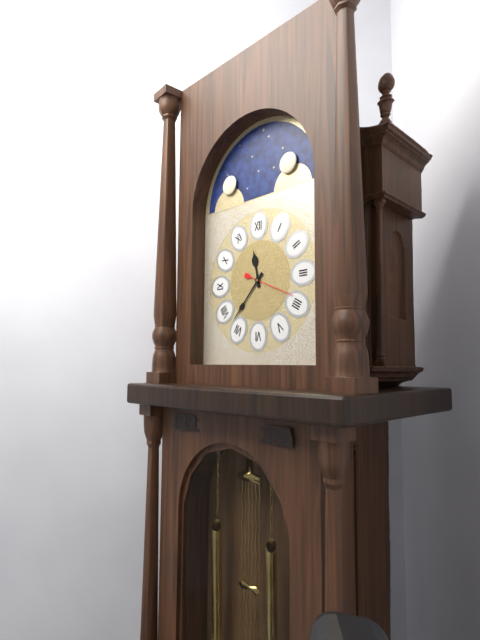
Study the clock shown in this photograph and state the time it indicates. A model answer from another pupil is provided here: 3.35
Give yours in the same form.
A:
11.37
